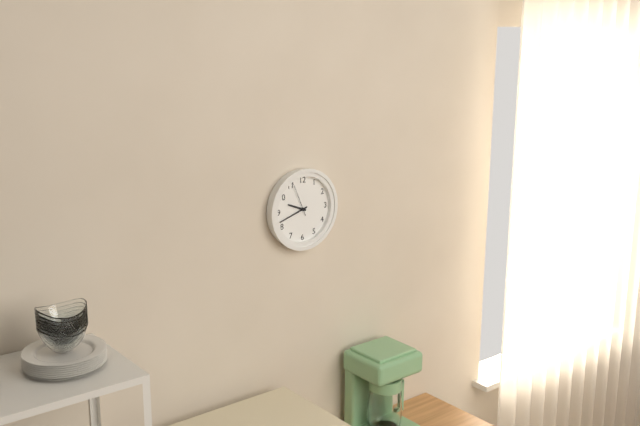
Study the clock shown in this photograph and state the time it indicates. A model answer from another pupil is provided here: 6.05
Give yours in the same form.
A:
9.42
